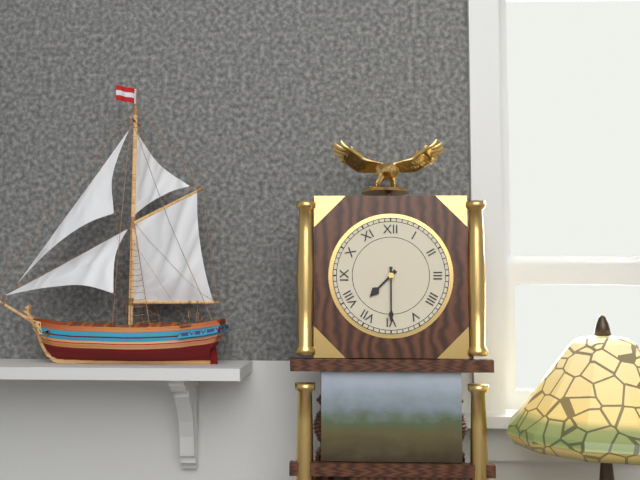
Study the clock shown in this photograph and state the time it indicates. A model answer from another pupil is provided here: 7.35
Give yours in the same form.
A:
7.30
